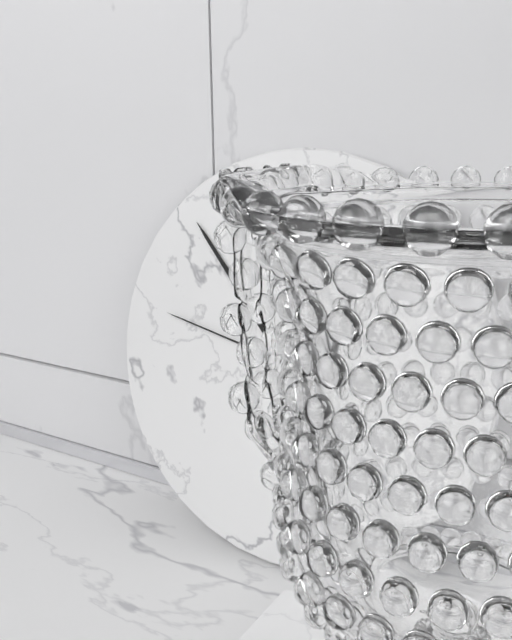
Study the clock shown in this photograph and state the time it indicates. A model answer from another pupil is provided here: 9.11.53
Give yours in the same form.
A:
12.53.47
